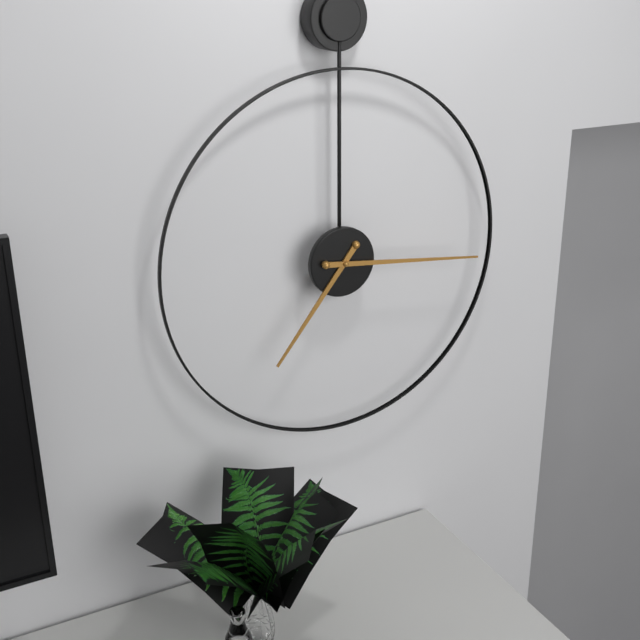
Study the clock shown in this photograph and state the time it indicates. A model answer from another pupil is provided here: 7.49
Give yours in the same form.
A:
7.16
